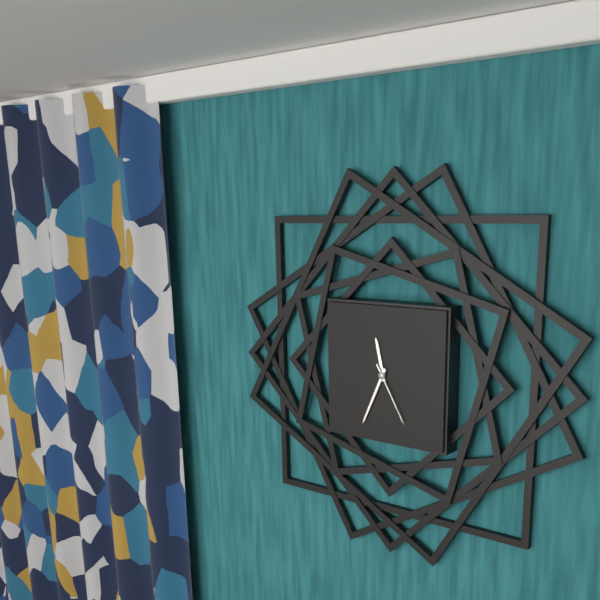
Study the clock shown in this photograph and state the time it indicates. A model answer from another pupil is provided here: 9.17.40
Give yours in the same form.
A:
11.34.25
